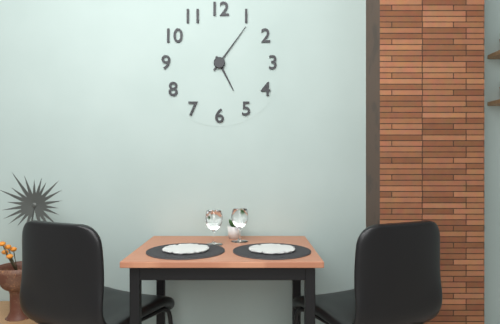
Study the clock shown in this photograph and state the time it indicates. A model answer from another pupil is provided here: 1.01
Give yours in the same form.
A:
5.06
